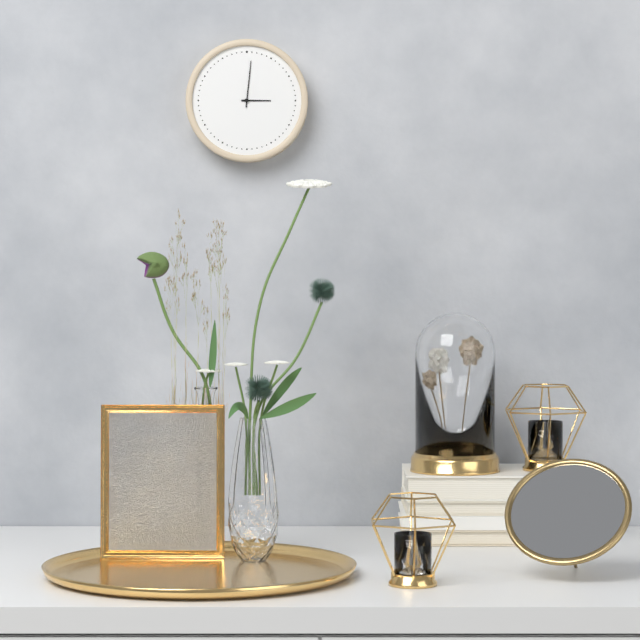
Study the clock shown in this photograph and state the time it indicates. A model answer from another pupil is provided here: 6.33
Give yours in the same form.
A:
3.01
